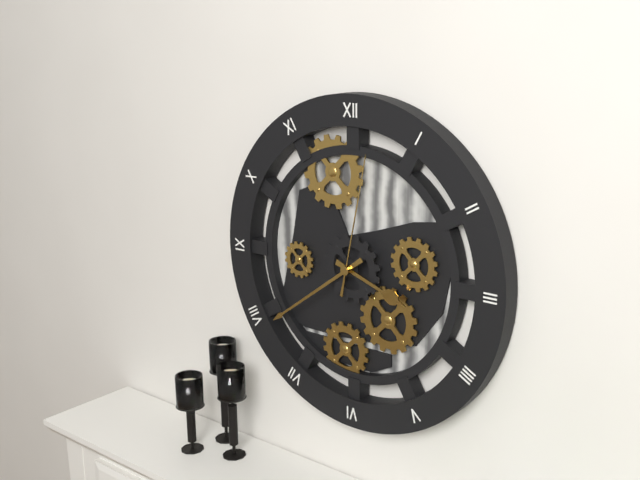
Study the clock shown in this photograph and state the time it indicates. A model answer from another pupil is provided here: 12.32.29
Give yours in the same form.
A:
3.39.02
